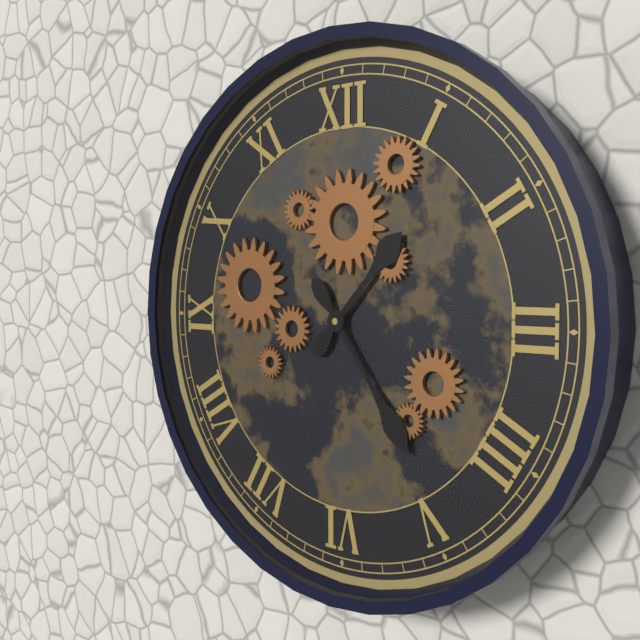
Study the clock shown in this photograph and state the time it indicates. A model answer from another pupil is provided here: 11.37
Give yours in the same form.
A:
1.24
